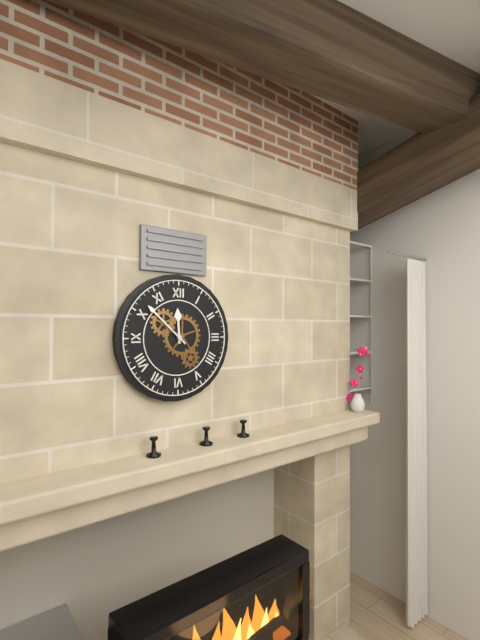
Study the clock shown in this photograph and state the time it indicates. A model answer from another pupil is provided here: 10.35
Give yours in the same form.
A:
11.52
